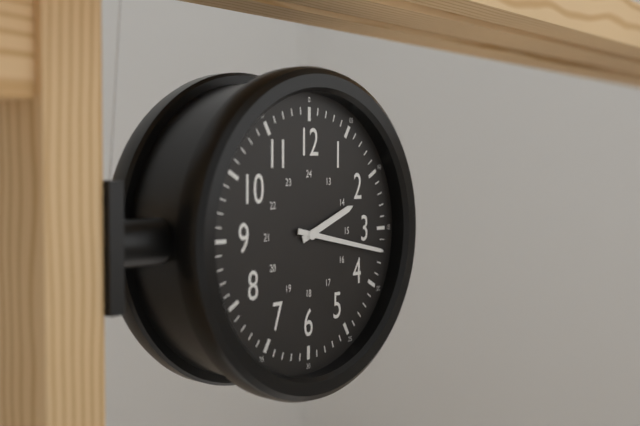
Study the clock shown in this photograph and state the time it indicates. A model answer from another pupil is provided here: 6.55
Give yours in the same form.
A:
2.17
